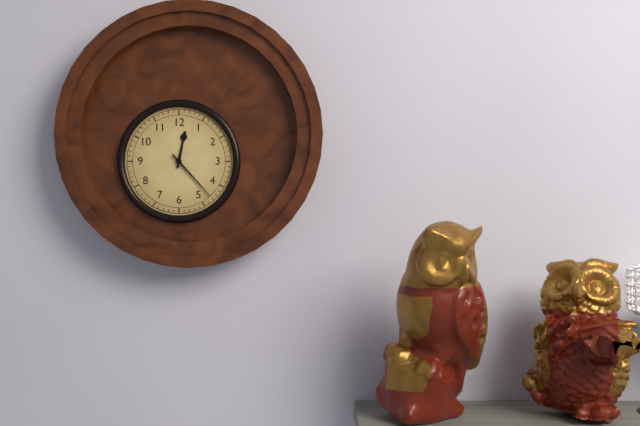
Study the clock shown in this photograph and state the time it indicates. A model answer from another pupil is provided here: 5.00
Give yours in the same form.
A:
12.23
